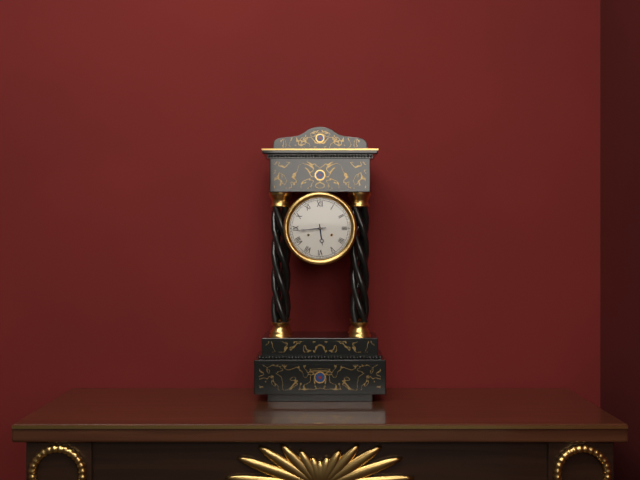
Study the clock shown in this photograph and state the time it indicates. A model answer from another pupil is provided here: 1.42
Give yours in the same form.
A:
5.44
